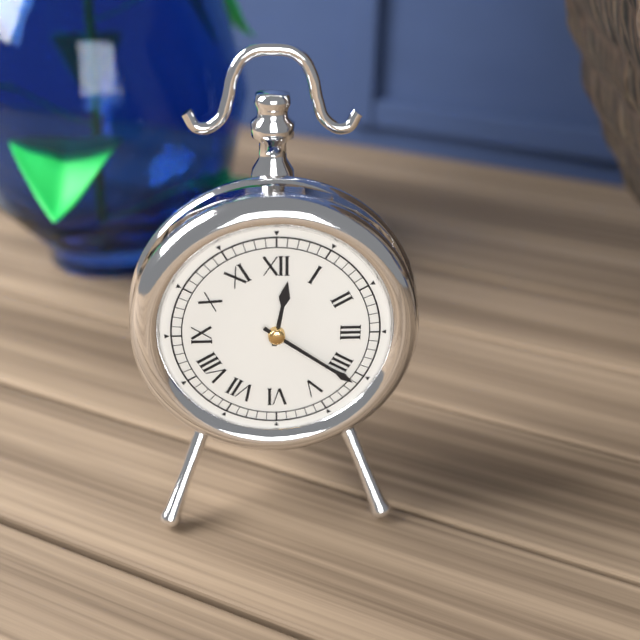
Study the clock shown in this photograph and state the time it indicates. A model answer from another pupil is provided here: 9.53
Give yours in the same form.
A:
12.21
